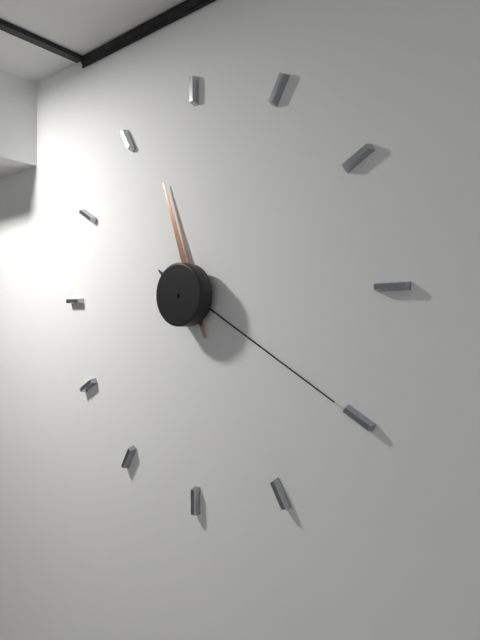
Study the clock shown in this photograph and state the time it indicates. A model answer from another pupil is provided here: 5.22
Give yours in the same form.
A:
11.20
